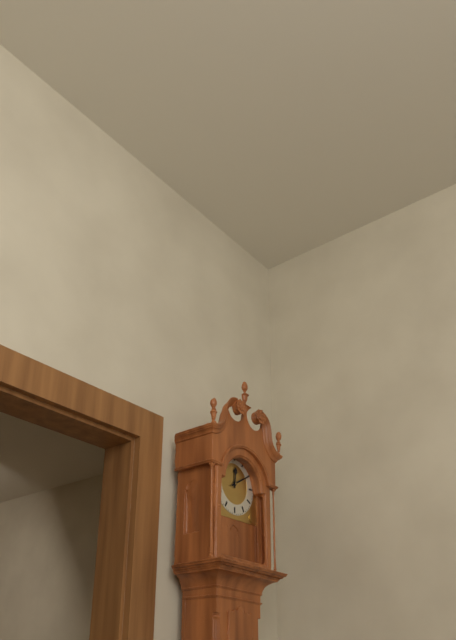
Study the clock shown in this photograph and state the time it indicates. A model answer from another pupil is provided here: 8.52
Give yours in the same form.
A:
12.10
